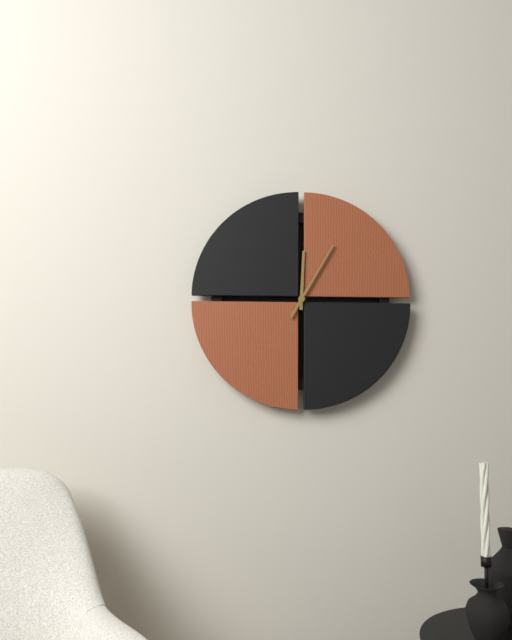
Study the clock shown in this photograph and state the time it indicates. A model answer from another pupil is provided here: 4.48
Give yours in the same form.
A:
12.05
